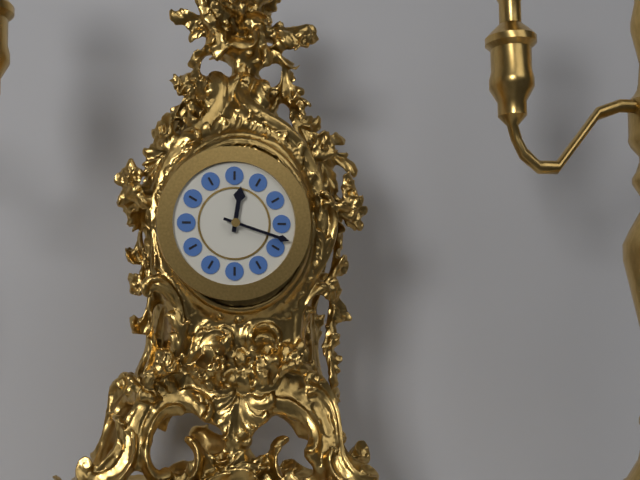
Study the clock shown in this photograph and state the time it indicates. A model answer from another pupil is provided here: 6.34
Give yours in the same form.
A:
12.18
